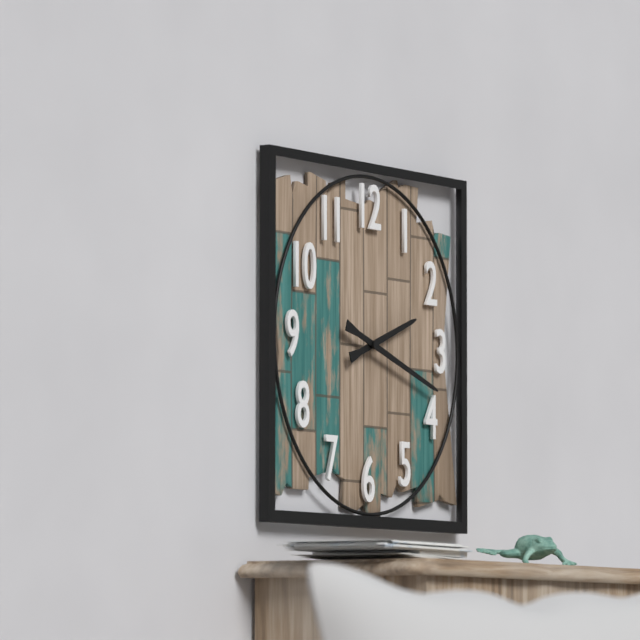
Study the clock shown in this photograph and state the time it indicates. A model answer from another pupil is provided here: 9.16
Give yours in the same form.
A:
2.18
